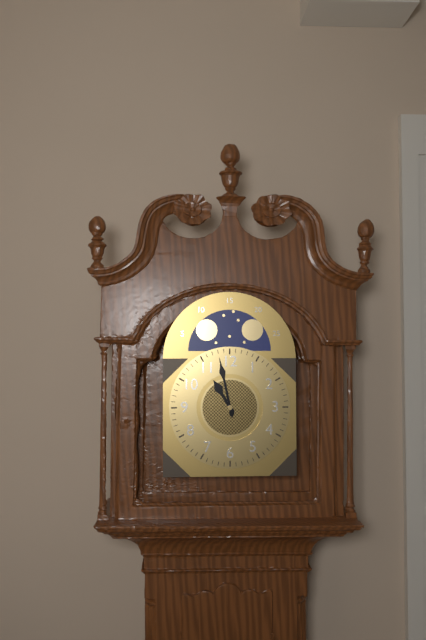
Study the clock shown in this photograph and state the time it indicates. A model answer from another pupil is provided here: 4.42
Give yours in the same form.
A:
10.58
